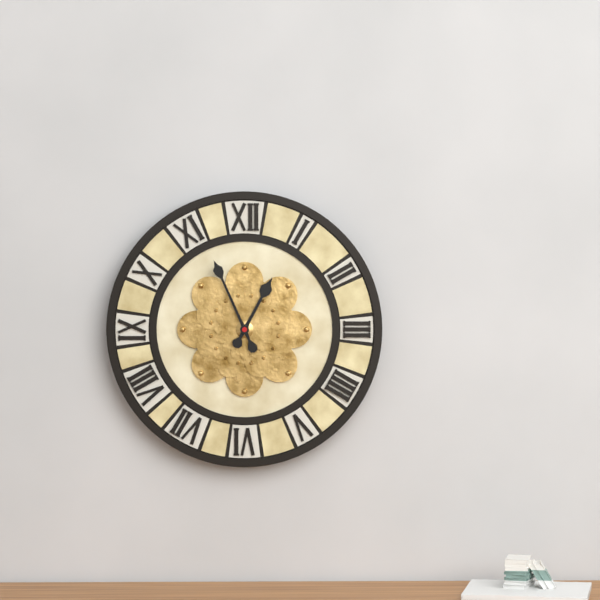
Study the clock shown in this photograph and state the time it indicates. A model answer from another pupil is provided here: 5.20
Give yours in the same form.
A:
12.56
